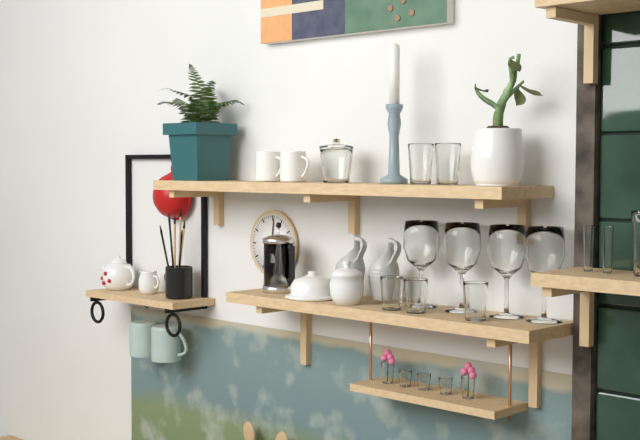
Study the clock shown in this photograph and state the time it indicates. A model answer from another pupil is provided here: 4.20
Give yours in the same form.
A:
5.01
